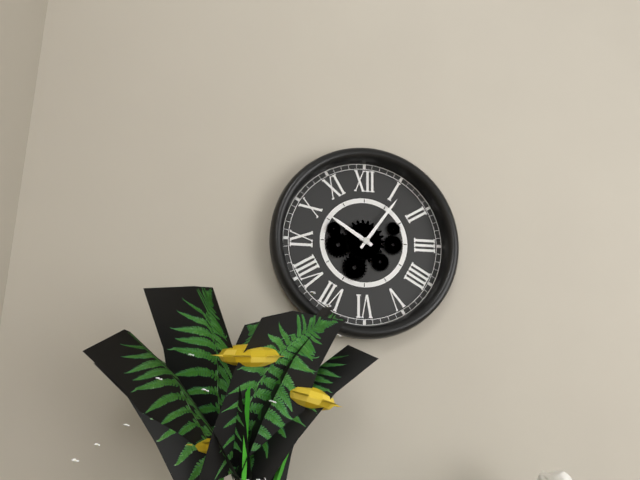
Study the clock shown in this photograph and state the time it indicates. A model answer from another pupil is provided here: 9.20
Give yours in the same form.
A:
10.06
